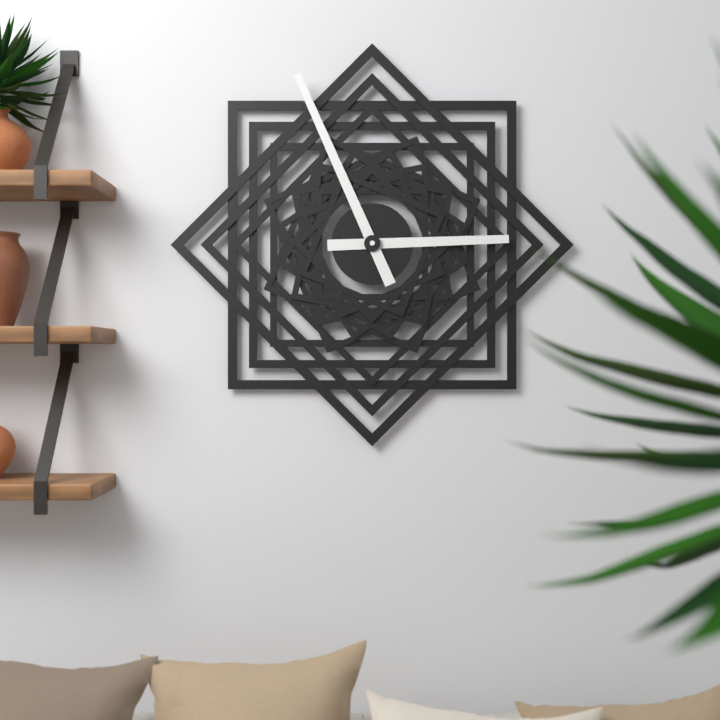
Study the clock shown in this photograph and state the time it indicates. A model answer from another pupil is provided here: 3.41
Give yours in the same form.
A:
2.56
